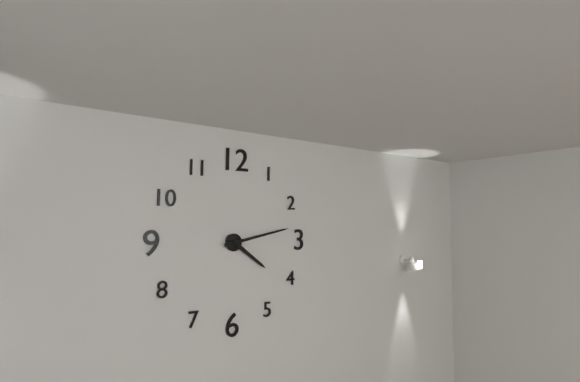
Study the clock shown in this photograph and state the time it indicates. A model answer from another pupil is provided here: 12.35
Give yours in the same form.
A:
4.13
